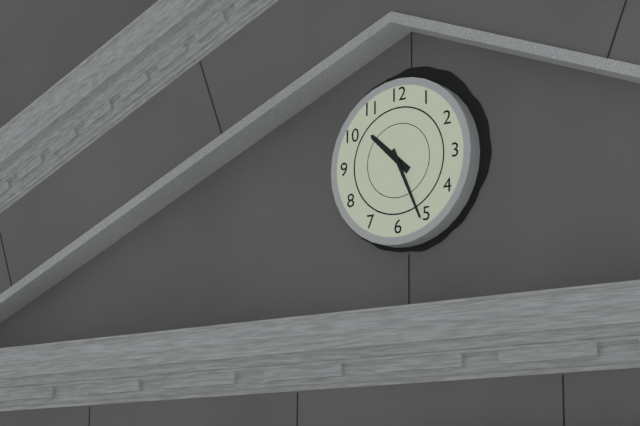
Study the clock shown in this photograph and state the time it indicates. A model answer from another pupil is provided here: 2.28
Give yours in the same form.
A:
10.26
